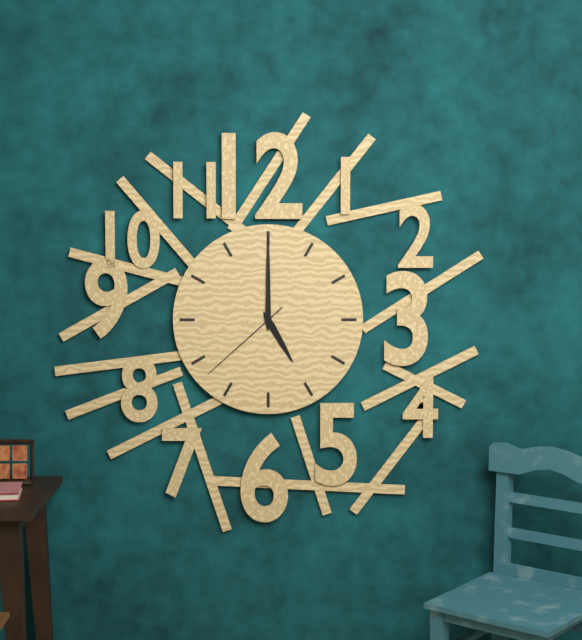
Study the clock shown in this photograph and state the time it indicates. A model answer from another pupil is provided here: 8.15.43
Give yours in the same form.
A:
5.00.38
